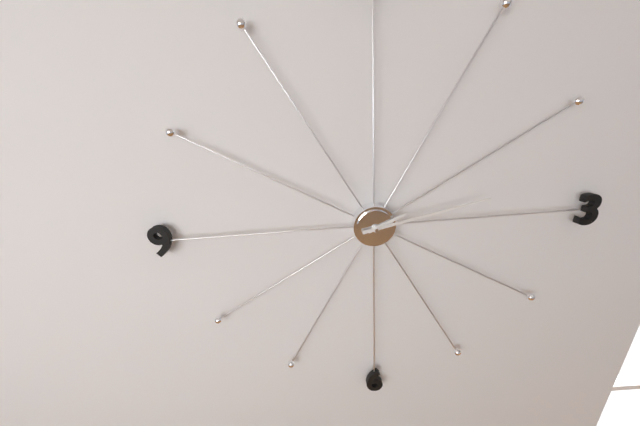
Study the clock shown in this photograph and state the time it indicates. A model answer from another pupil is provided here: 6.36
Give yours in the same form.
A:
2.13
